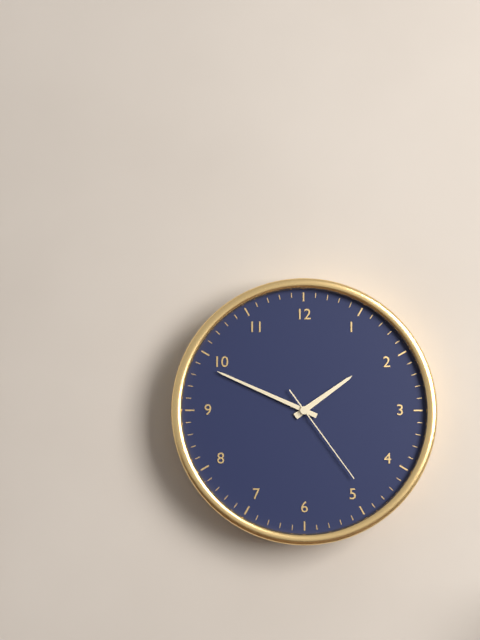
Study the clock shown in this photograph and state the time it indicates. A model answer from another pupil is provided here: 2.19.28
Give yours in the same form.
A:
1.49.24
